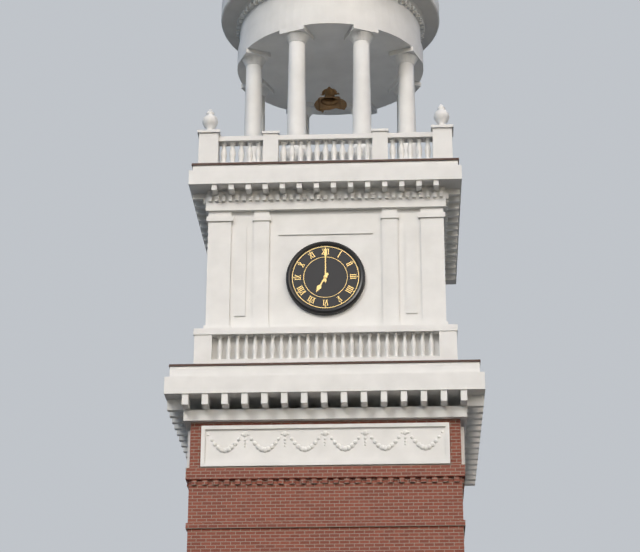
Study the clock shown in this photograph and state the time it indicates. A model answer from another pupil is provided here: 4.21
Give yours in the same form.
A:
7.00
